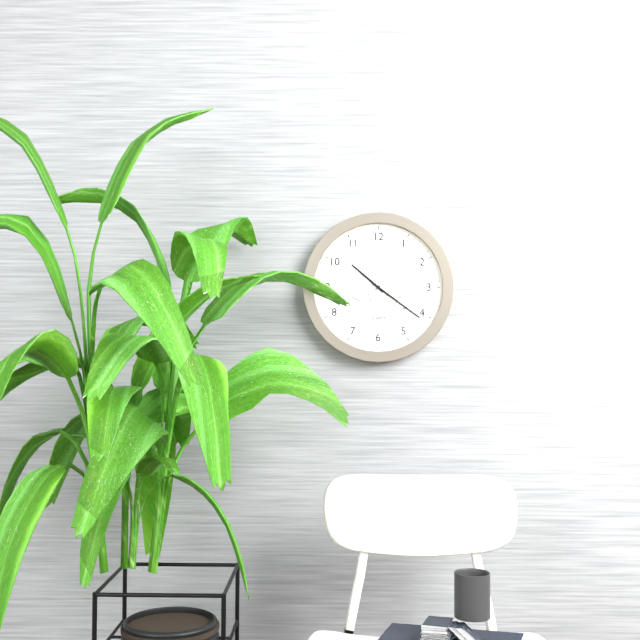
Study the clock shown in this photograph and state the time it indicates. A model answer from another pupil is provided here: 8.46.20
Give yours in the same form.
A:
10.21.09
